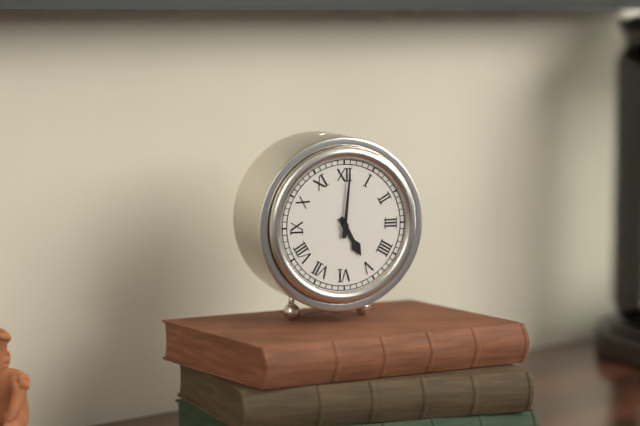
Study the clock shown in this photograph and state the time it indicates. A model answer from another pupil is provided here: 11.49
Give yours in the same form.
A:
5.01
